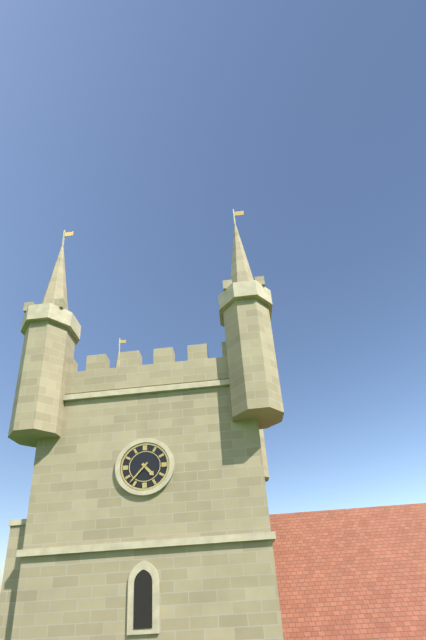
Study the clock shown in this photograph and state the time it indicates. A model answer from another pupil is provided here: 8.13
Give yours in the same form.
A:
4.37
